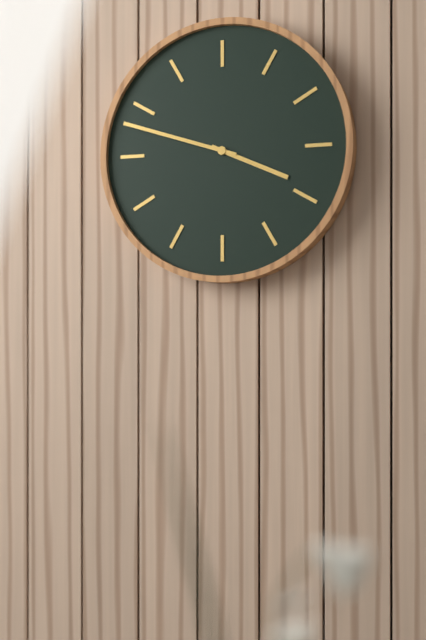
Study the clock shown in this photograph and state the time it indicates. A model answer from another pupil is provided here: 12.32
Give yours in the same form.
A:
3.48
